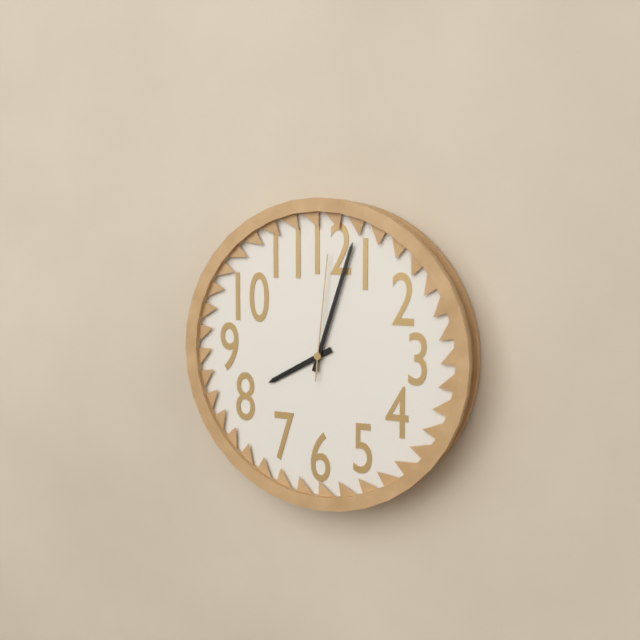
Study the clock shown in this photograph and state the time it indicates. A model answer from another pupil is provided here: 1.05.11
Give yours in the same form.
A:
8.03.01
